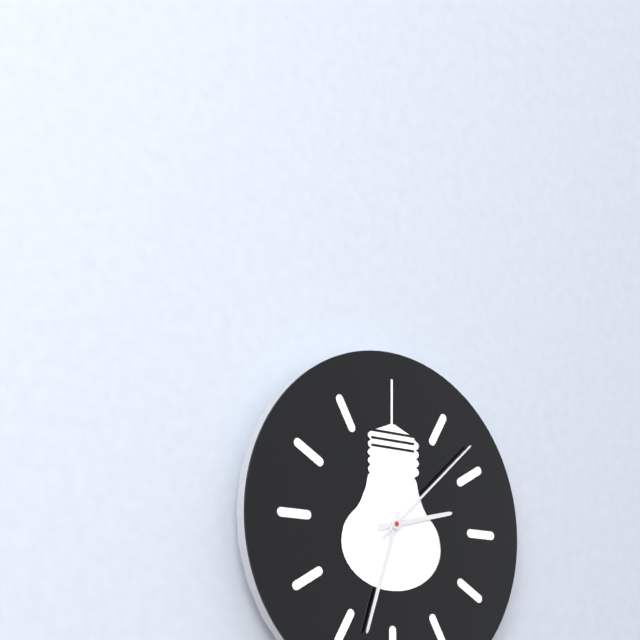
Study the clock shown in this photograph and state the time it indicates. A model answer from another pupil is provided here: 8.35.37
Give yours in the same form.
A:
2.33.08
